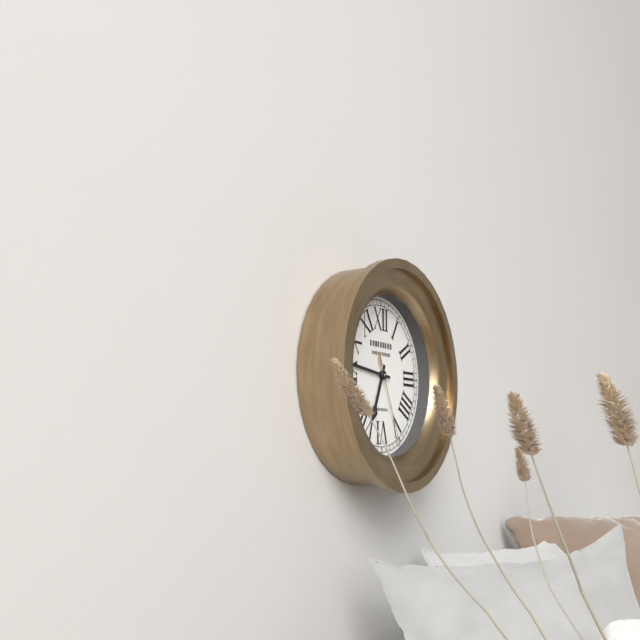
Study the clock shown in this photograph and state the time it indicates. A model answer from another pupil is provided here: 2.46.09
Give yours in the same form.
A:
6.46.26
